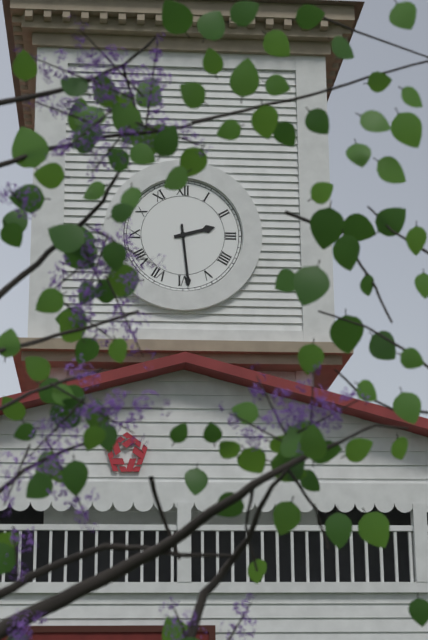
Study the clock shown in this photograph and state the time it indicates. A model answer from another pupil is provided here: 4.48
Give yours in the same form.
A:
2.29
